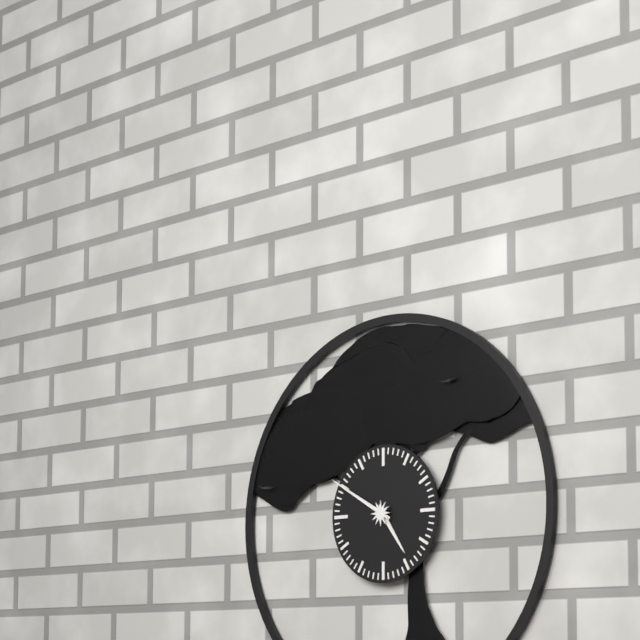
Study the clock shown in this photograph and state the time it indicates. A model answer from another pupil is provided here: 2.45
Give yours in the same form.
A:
4.50
